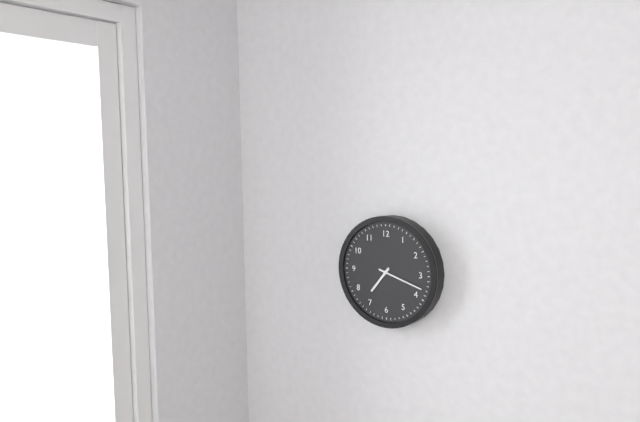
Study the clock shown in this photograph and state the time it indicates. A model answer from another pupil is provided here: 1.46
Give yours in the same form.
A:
7.18
